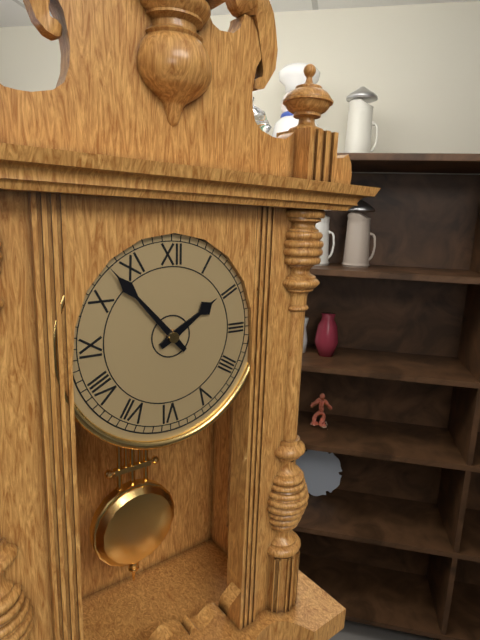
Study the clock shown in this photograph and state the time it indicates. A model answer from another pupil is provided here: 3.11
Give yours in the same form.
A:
1.53
